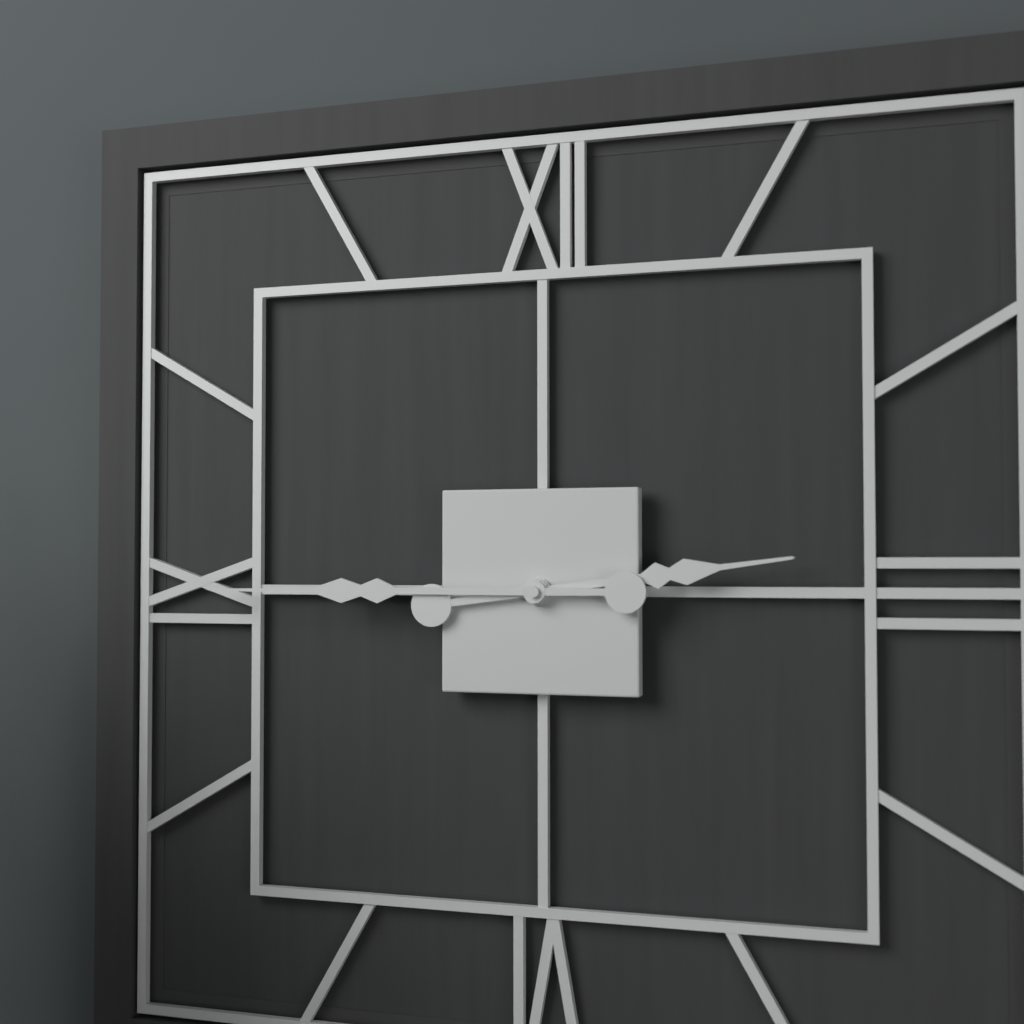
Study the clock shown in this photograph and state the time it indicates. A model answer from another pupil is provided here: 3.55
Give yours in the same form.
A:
2.45
